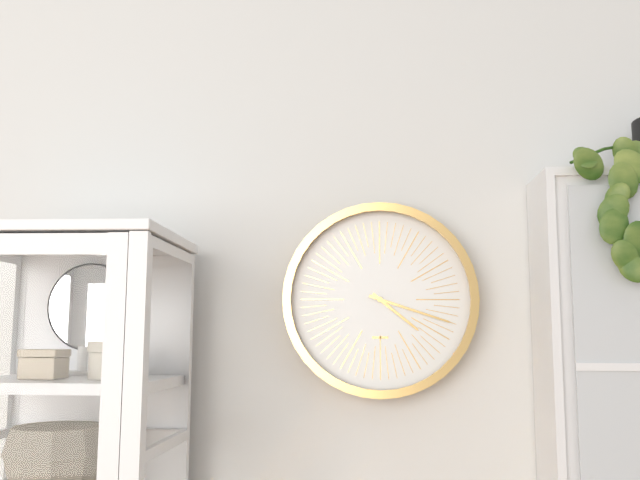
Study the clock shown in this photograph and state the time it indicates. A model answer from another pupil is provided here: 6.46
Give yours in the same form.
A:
4.18
